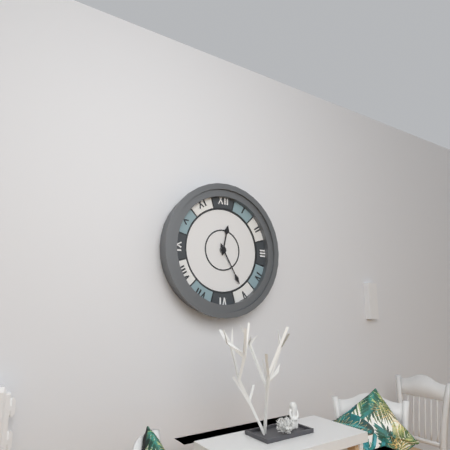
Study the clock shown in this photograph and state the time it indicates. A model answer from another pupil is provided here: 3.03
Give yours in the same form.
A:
12.25
